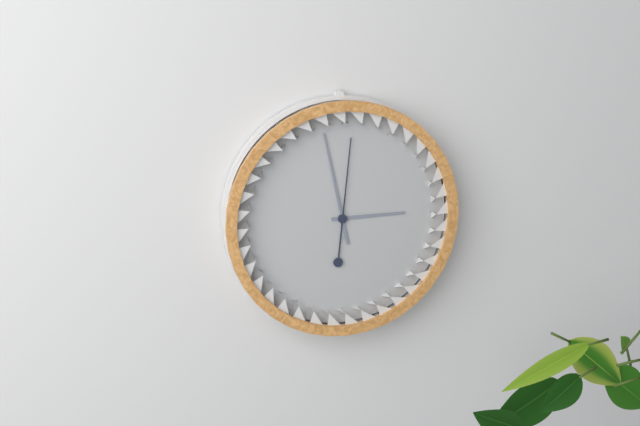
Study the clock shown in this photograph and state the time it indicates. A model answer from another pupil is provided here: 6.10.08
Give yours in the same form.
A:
2.58.01
